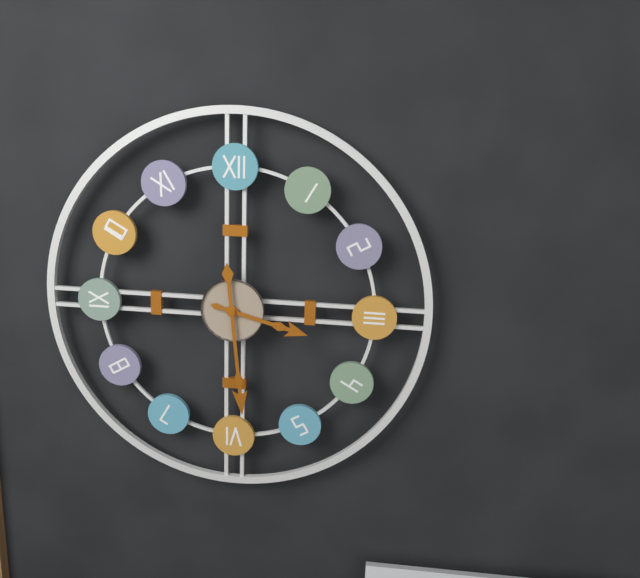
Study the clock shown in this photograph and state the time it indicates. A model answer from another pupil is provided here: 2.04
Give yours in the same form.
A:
3.29
